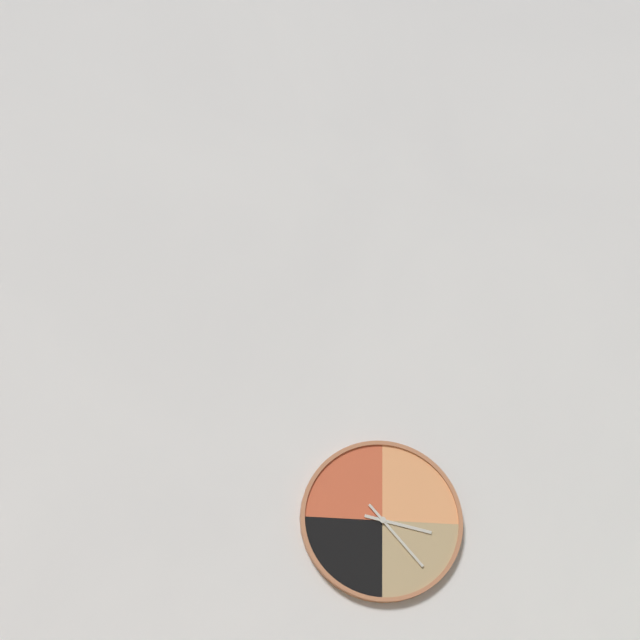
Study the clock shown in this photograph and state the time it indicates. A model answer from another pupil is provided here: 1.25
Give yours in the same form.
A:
3.23
